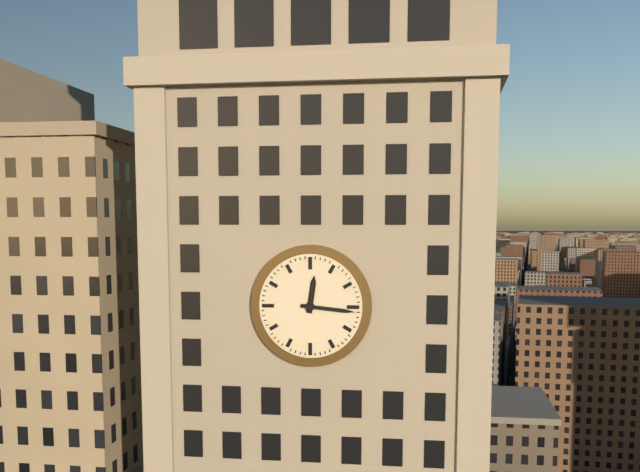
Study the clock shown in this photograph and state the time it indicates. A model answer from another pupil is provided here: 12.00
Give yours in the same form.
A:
12.16
